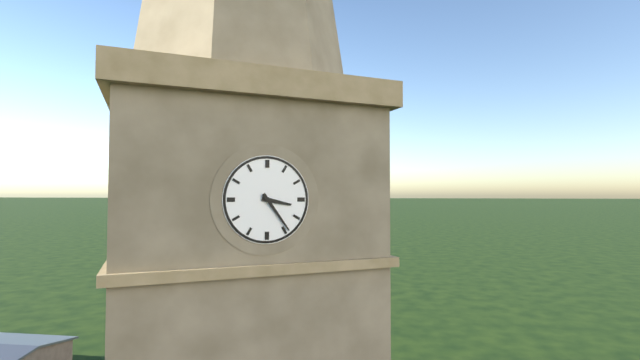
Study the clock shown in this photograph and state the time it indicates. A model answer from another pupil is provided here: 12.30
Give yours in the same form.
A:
3.24
